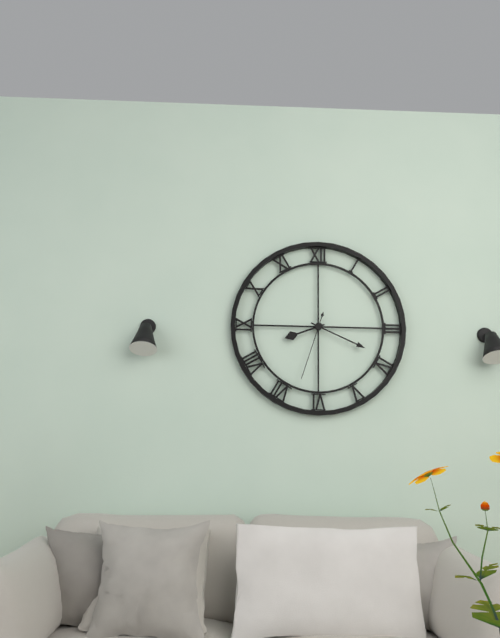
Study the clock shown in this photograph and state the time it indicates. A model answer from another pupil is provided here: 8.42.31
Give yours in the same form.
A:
8.19.33
